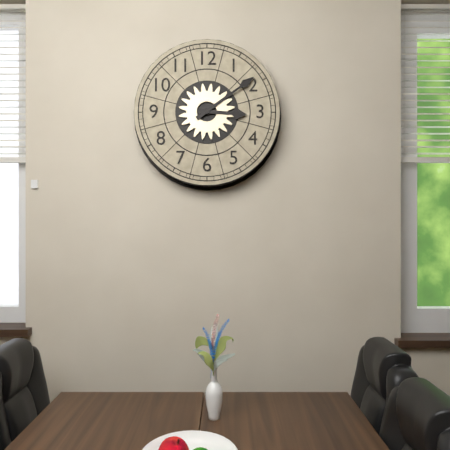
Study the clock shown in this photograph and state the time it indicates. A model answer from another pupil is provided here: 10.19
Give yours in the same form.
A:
3.09
